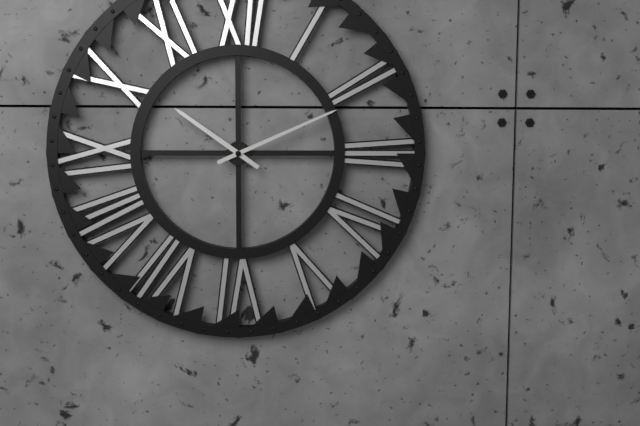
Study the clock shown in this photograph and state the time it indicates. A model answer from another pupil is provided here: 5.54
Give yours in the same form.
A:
10.11
